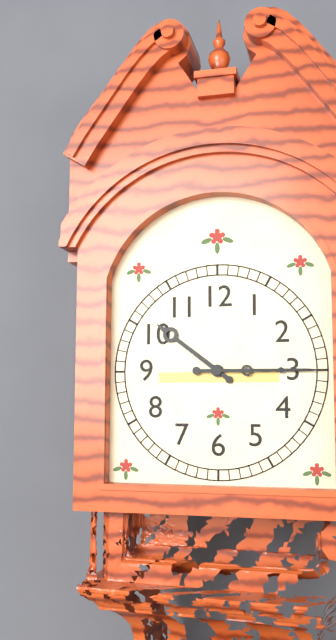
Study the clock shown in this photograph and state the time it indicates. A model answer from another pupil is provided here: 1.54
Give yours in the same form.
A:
10.15
